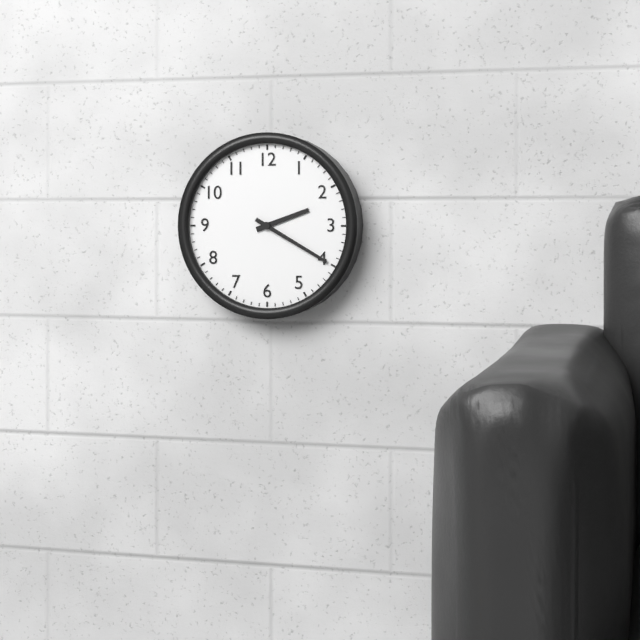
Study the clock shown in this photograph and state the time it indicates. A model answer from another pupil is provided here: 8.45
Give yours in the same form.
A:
2.20
